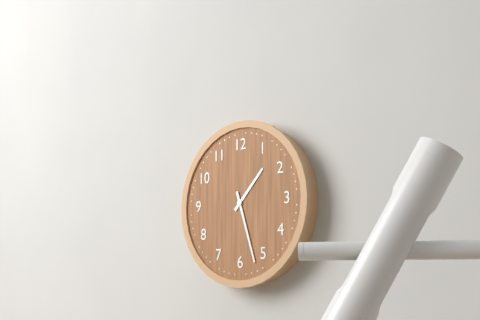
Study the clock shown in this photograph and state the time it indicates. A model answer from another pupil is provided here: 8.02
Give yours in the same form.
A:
1.27
